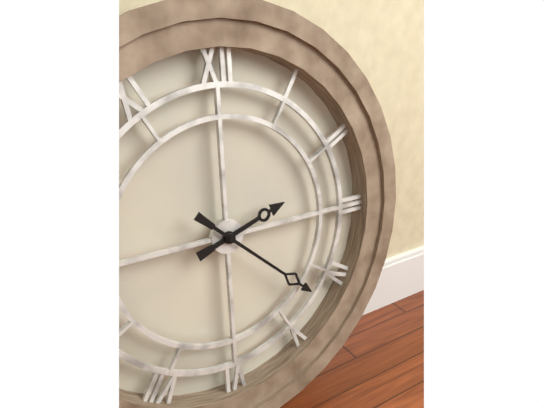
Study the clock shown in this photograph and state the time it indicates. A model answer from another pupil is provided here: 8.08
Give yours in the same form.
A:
2.22
